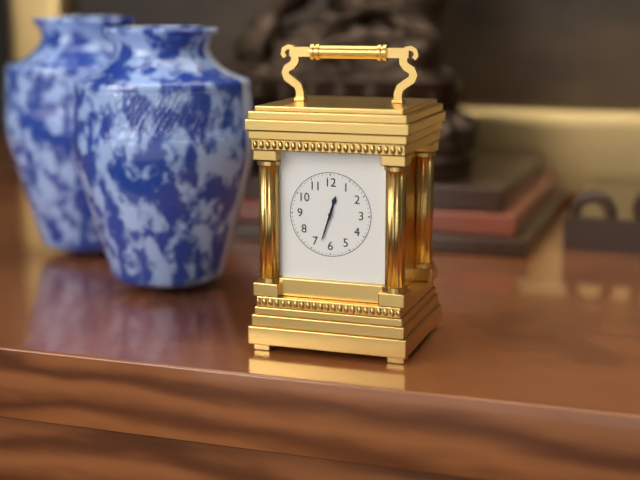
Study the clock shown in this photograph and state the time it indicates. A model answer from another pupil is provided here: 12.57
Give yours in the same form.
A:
12.33
